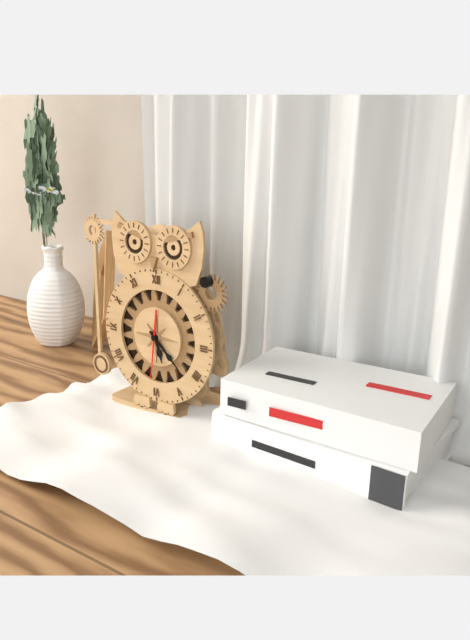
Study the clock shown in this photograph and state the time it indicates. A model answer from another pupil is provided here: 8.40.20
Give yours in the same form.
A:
5.22.31
